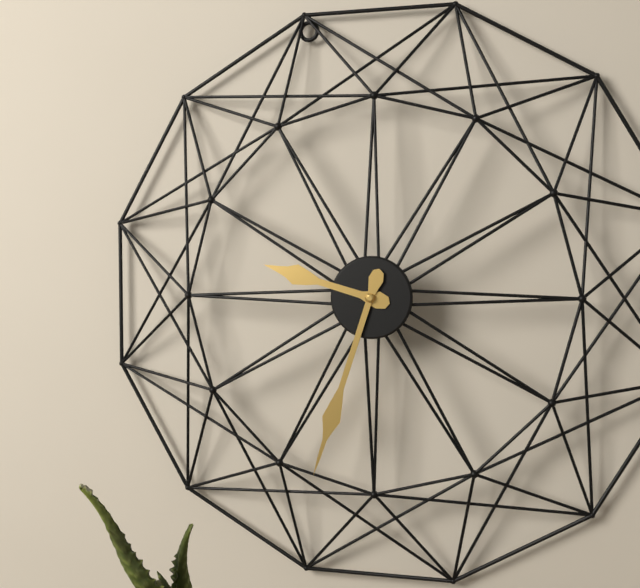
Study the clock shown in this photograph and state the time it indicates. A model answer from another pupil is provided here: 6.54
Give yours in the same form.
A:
9.33
